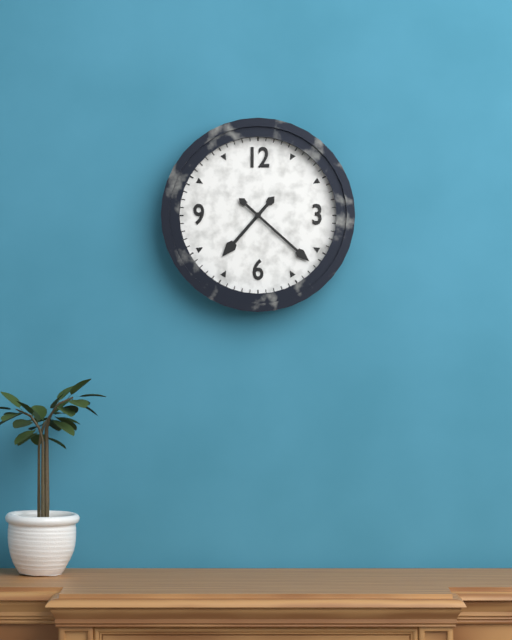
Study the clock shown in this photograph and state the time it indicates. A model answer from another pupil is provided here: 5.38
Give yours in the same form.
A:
7.22
